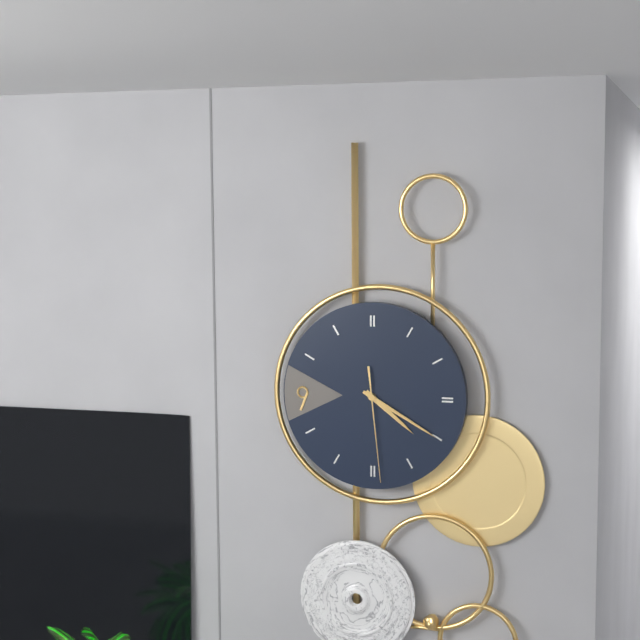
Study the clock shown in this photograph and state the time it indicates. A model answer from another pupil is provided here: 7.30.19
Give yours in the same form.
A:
4.20.29
